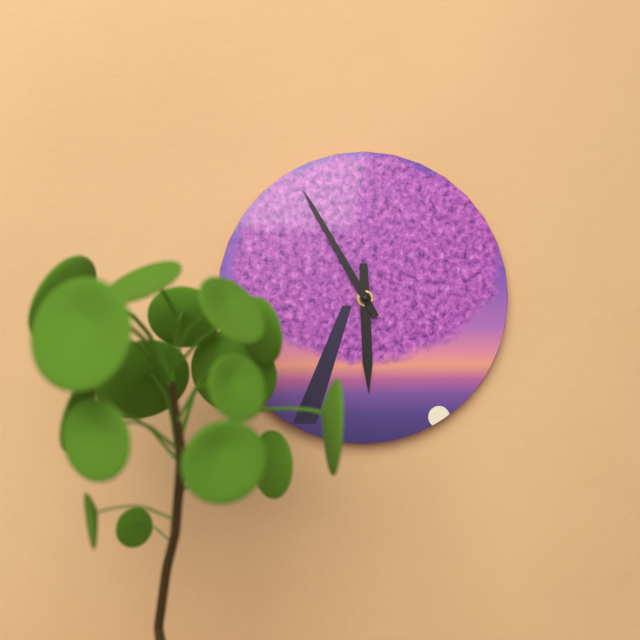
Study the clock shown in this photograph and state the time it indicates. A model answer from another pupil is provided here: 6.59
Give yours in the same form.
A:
5.55
